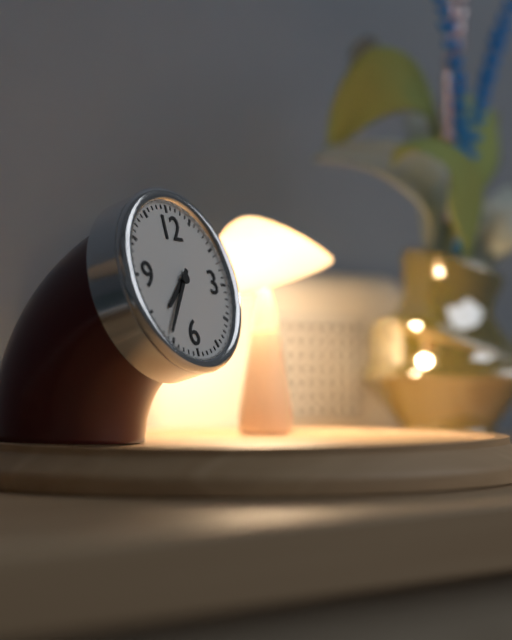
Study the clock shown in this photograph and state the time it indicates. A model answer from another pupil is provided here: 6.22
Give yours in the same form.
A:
7.36
